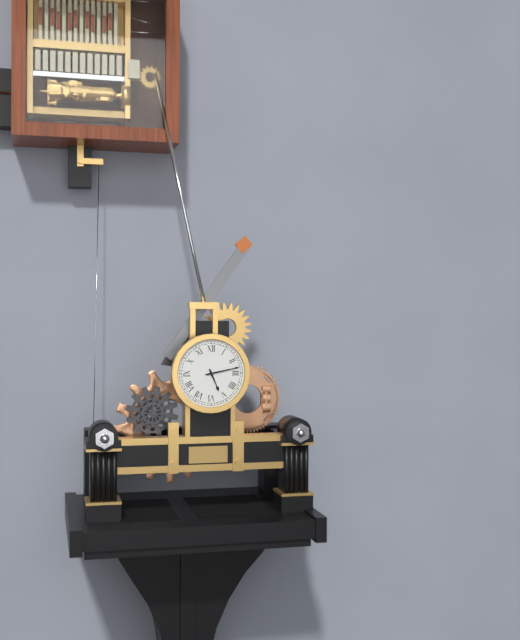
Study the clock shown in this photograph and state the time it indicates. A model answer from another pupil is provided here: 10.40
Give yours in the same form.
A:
5.13
